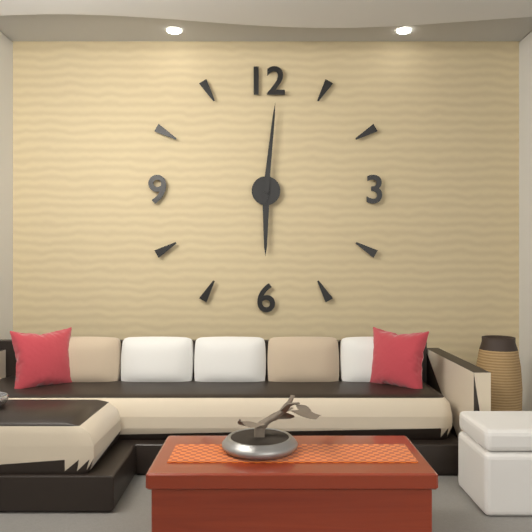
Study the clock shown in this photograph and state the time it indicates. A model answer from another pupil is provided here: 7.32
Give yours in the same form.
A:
6.01
